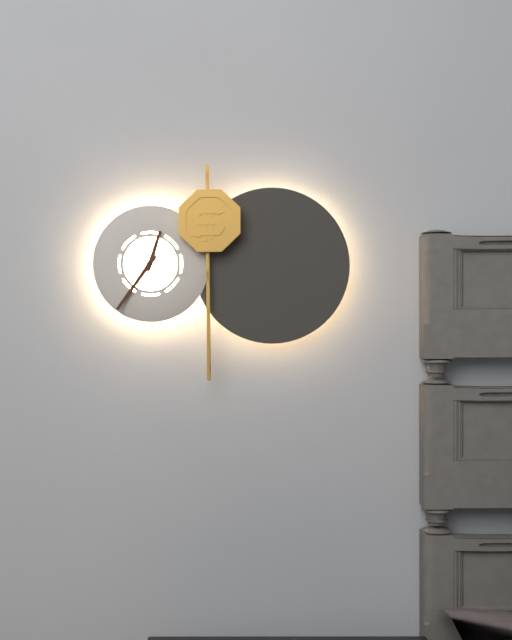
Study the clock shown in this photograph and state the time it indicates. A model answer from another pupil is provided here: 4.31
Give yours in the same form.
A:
12.36
